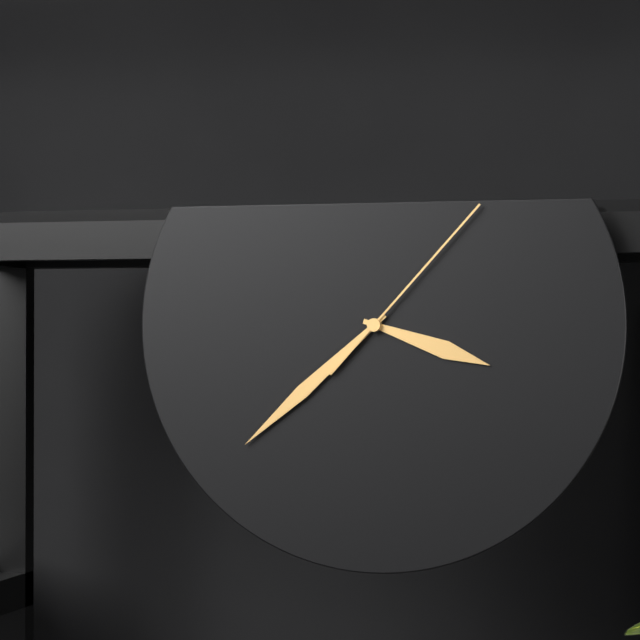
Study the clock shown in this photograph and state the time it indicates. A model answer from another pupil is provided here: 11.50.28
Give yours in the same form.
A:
3.38.07
